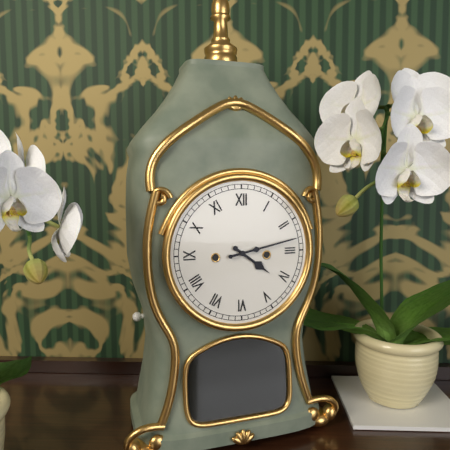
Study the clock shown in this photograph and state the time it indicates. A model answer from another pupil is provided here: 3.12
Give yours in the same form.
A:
4.13
